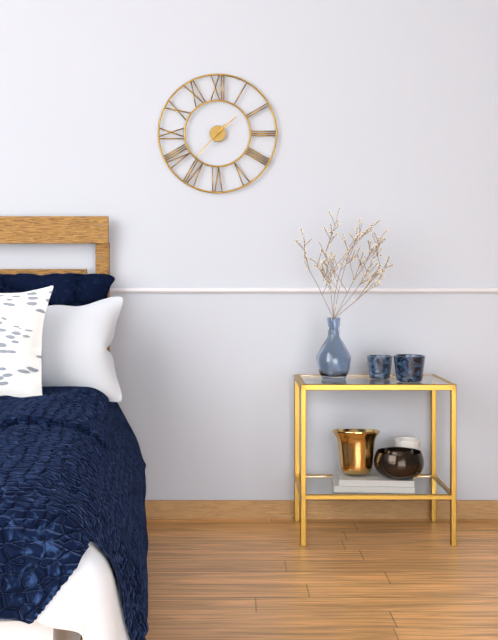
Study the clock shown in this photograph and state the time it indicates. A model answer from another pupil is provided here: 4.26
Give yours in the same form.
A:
1.37
